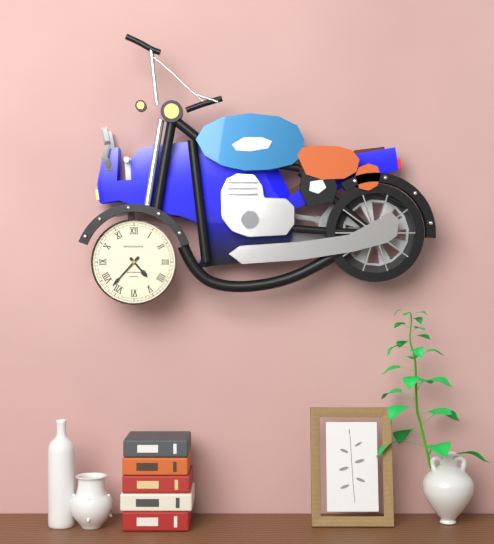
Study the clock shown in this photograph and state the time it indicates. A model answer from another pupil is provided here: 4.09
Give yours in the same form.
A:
4.37
